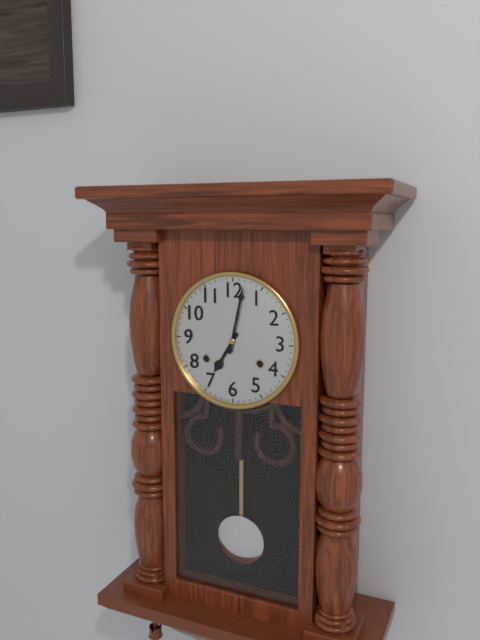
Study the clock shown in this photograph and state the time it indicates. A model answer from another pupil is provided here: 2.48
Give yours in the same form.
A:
7.02
